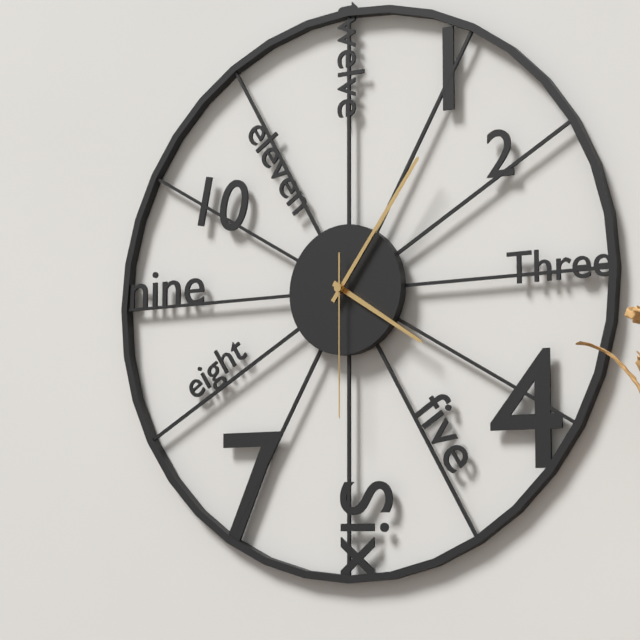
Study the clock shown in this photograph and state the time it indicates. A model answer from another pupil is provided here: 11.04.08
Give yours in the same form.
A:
4.06.30
